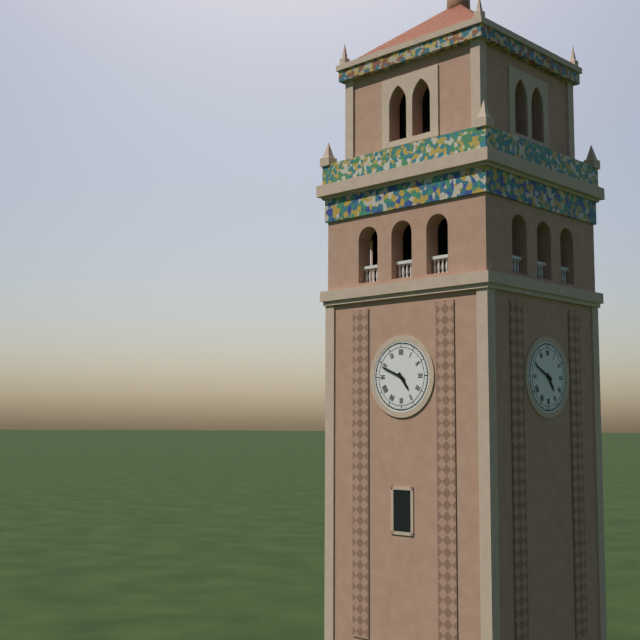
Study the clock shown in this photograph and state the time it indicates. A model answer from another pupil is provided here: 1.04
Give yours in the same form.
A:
4.49
